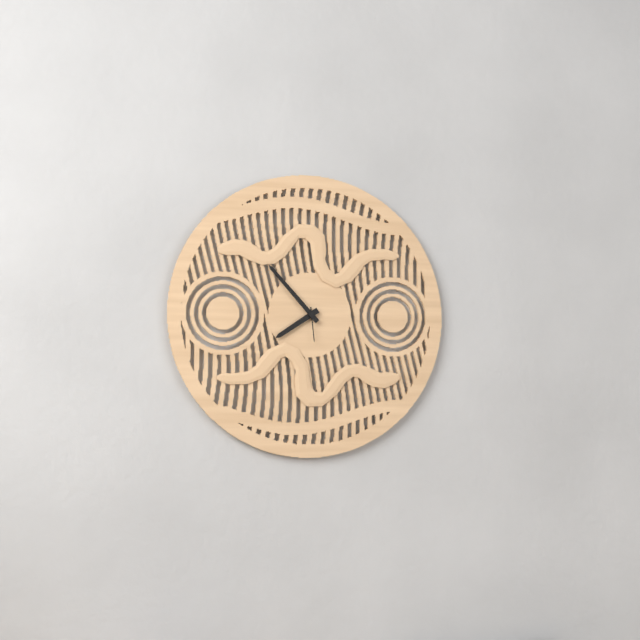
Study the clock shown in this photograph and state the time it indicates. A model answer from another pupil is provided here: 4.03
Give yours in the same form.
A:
7.53
